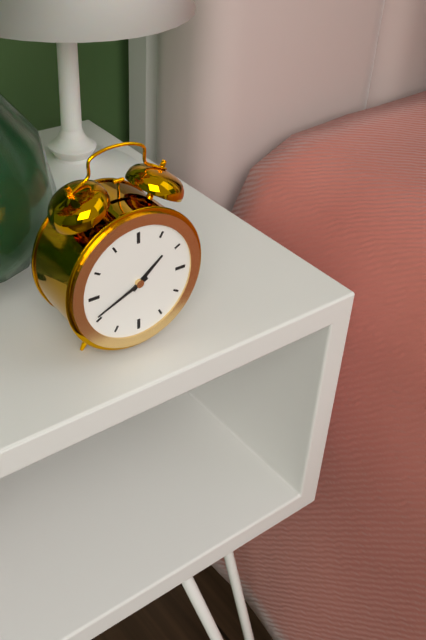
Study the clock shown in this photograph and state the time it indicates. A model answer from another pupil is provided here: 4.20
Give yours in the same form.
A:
1.41
